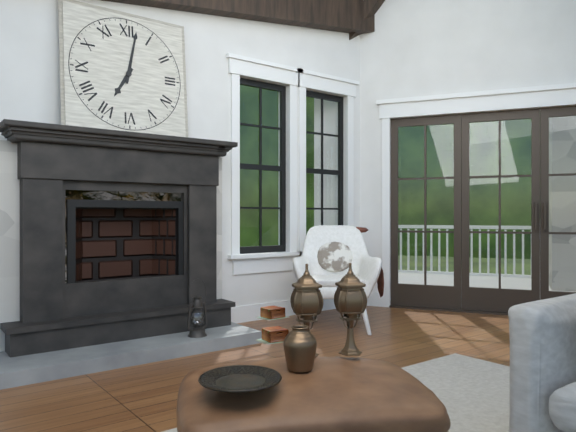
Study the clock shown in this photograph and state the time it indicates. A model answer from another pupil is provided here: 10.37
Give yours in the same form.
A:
7.02
